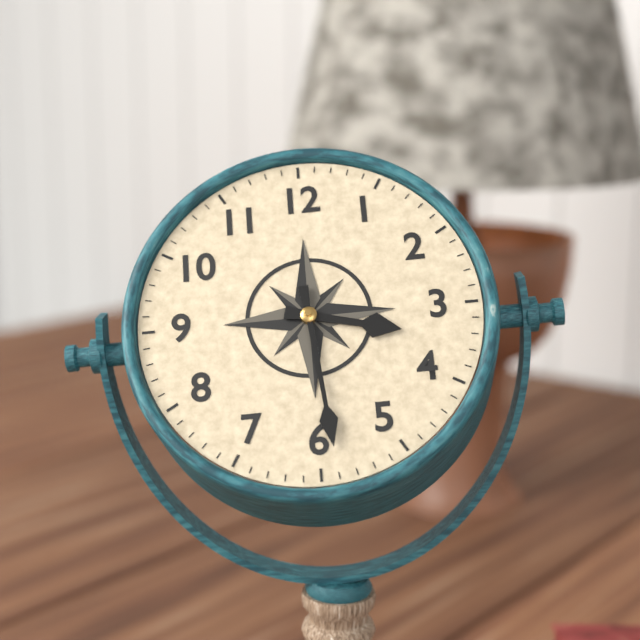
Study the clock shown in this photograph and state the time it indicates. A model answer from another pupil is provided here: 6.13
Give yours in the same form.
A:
3.29
